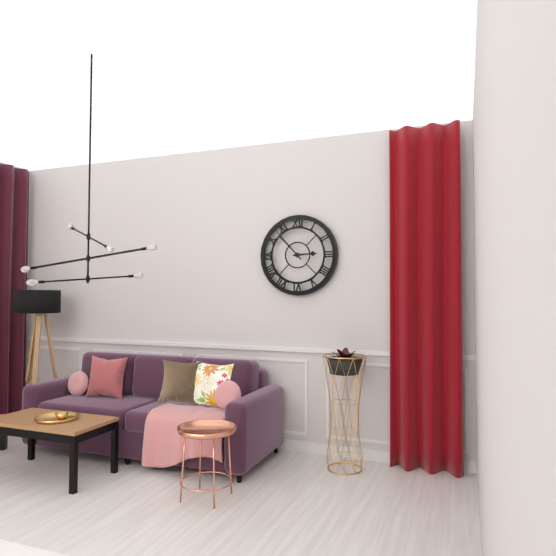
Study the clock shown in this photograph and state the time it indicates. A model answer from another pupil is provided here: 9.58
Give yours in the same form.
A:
2.53
